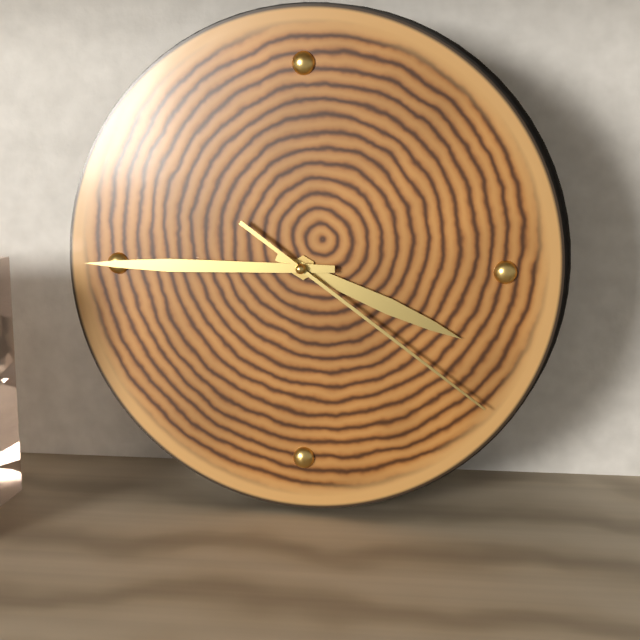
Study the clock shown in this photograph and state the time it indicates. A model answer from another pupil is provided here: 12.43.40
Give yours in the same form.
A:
3.45.21
